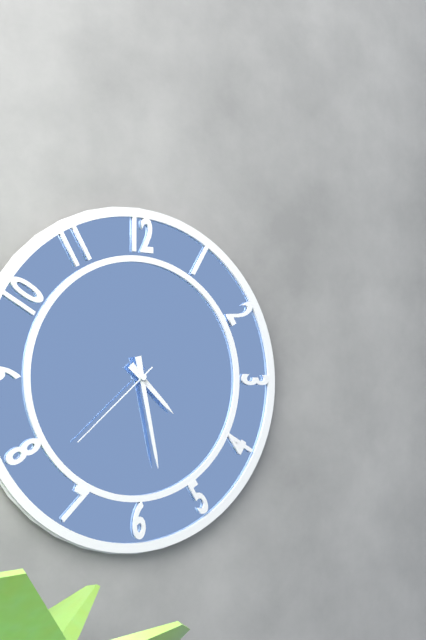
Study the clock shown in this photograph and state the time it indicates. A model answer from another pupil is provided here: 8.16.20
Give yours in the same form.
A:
4.28.38
